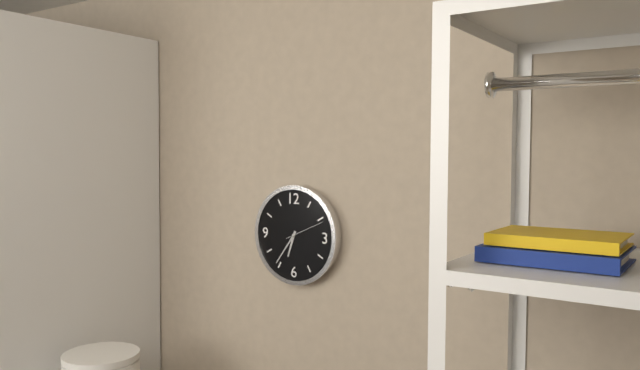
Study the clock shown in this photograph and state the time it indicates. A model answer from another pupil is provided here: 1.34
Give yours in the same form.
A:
6.36
